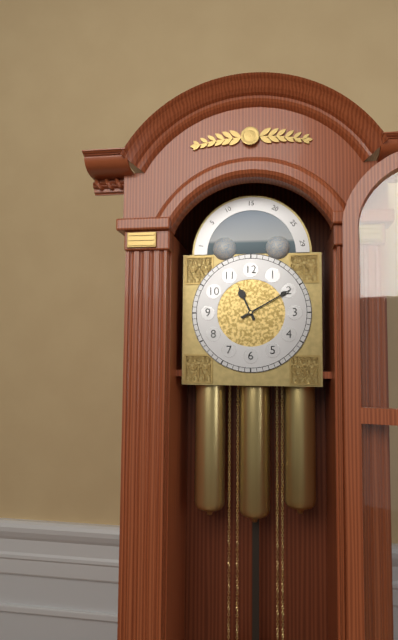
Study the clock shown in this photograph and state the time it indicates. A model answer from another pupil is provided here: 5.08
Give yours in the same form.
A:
11.10
